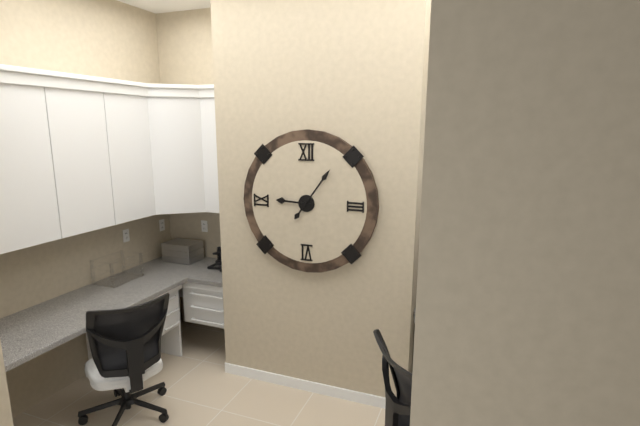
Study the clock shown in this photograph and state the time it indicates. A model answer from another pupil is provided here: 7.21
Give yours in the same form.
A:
9.06
